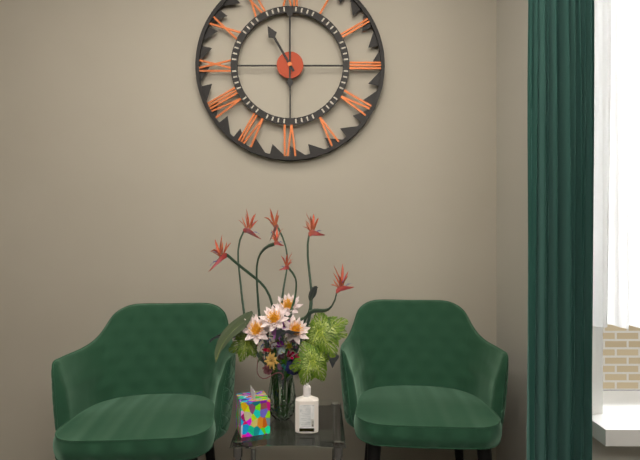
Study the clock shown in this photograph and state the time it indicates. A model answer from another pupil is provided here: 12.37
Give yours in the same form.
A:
11.00
